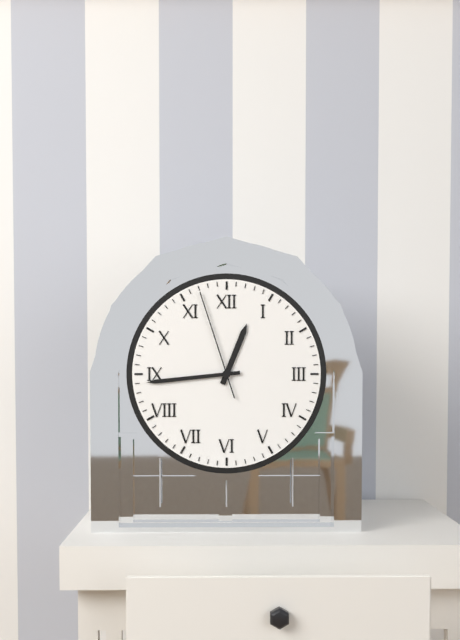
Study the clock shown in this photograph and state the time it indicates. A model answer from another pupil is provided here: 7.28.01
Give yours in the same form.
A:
12.44.57
